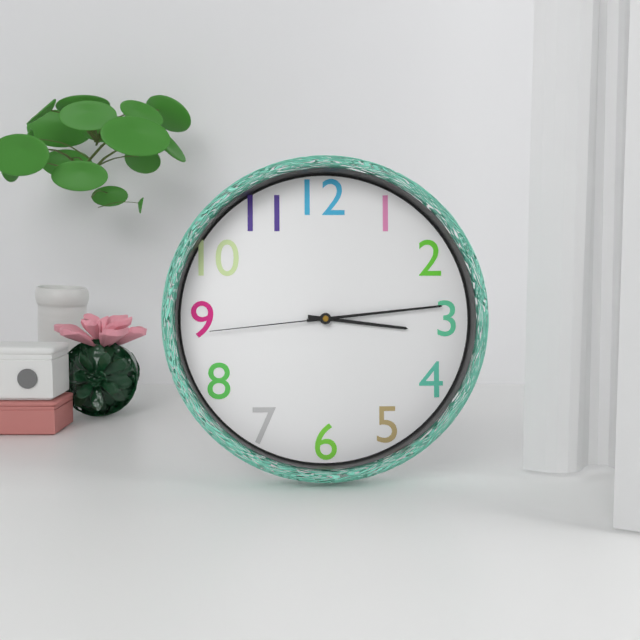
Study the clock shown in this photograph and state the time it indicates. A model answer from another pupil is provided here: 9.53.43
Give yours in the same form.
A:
3.14.44
